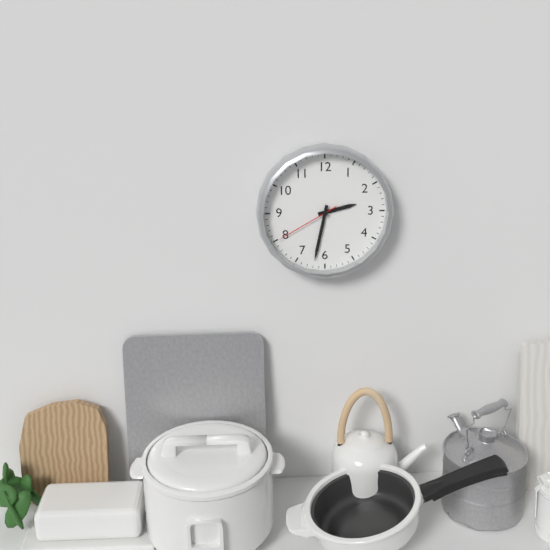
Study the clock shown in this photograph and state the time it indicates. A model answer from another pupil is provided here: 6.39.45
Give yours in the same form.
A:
2.32.40
